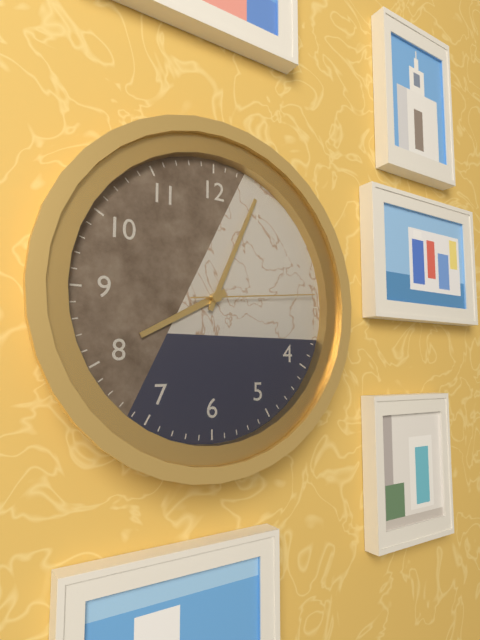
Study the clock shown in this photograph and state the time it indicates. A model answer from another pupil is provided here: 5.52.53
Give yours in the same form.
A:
8.04.14
